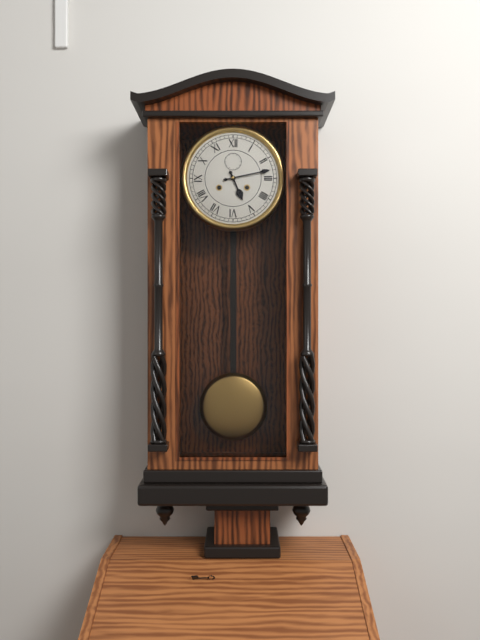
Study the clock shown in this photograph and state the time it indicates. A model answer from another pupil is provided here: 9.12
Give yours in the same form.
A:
5.13
